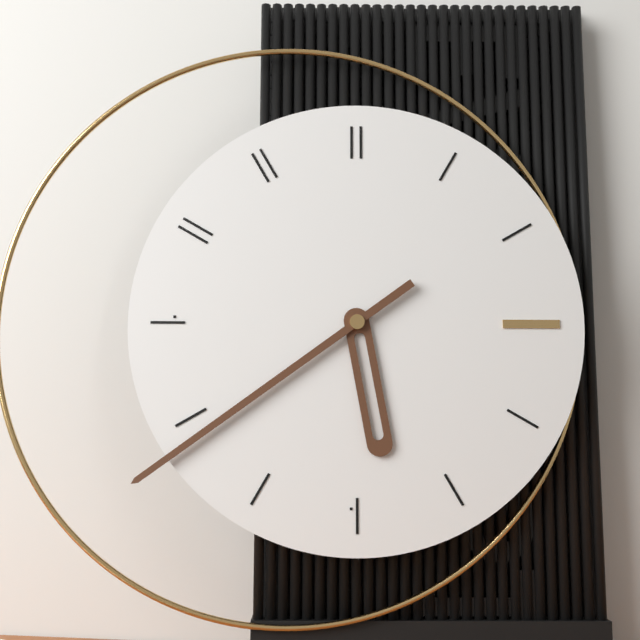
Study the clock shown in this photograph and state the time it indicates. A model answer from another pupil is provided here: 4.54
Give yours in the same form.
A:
5.39
